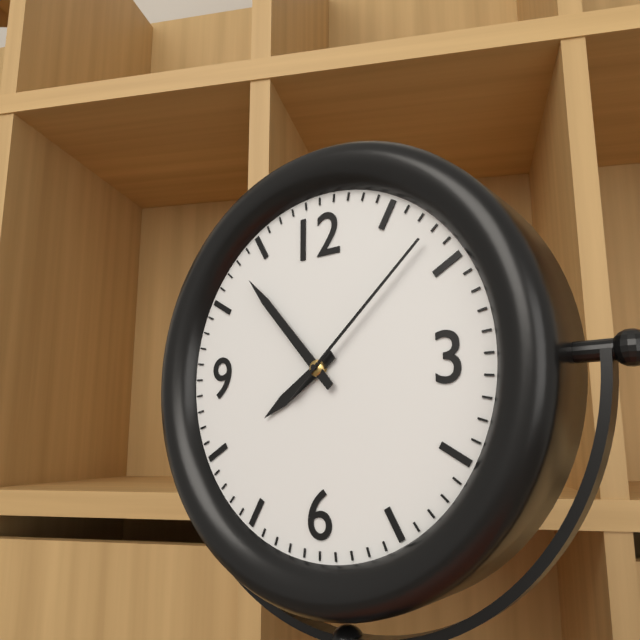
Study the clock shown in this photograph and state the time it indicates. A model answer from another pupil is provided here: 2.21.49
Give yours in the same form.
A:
7.53.08
